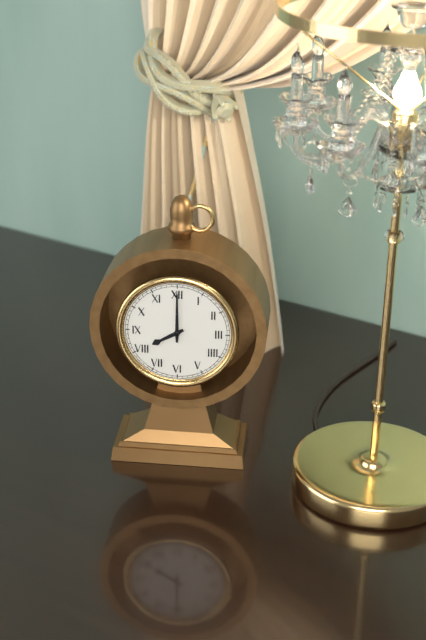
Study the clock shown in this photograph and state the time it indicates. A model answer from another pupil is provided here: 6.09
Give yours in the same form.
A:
8.00
